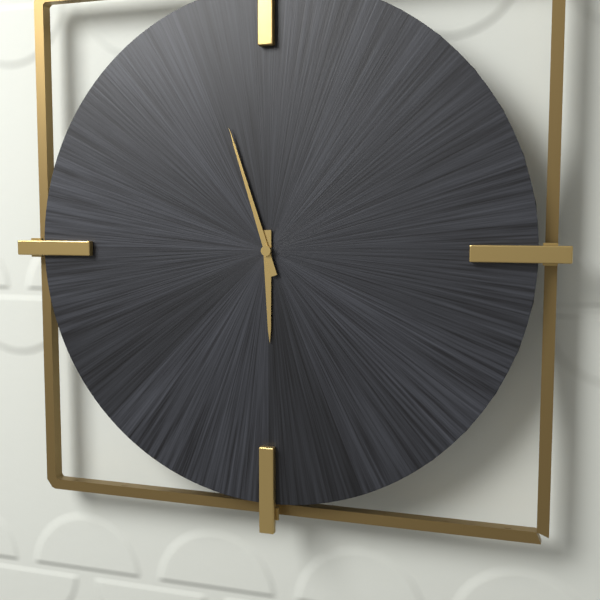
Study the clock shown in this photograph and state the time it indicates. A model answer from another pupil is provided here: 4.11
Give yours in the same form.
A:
5.57
